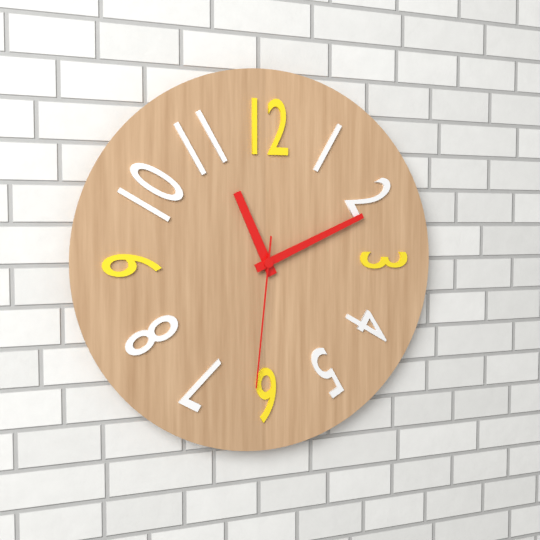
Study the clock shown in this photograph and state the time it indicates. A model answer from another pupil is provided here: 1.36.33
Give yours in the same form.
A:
11.11.31
